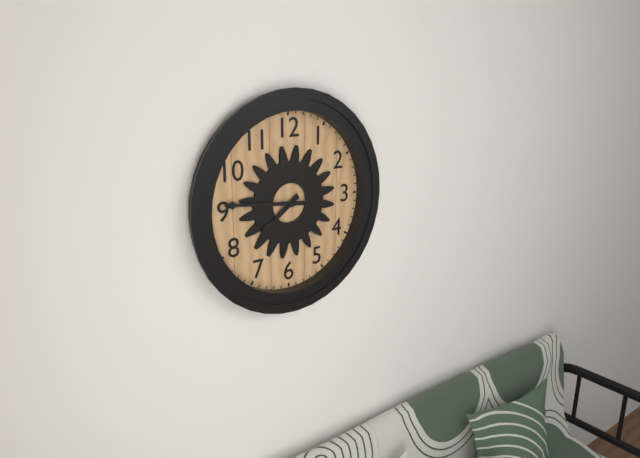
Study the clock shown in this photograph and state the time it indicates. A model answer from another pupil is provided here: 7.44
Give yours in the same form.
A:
7.46
